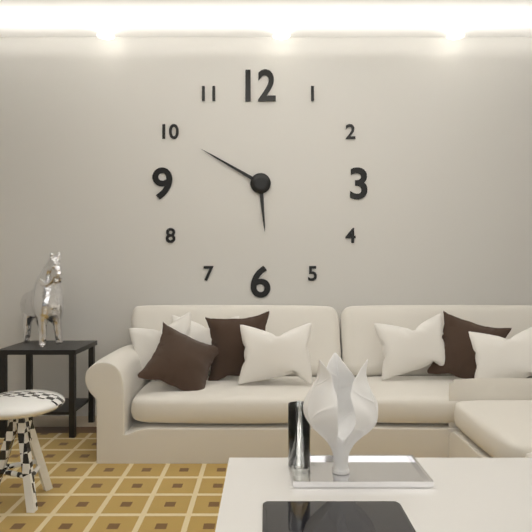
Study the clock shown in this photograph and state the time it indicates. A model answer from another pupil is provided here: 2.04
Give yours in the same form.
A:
5.50
